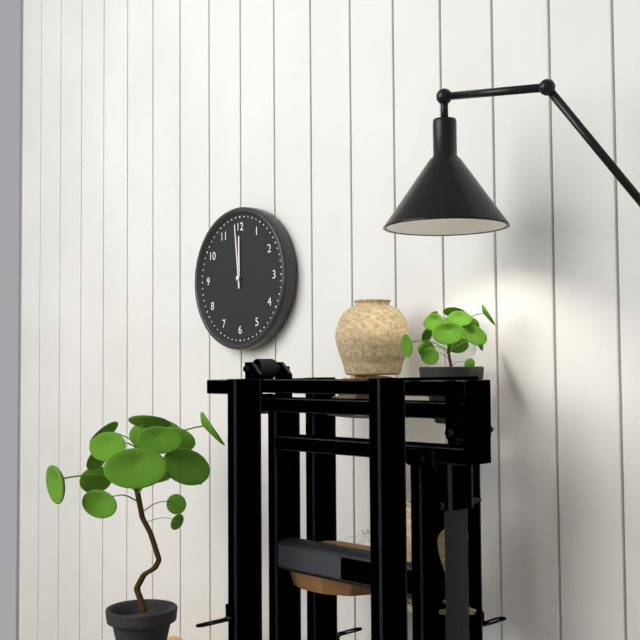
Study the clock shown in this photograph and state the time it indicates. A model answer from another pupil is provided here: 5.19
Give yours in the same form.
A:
11.59
